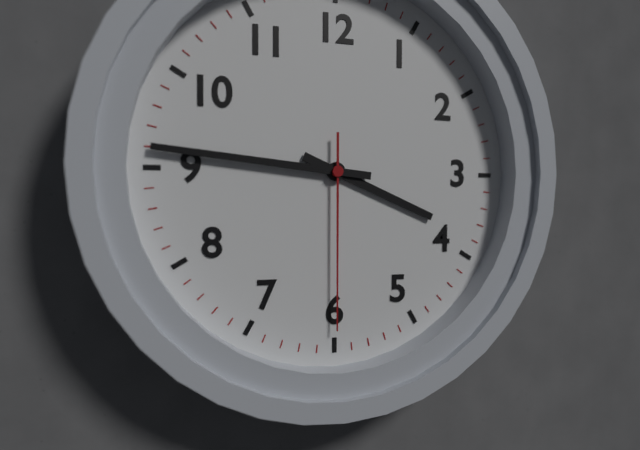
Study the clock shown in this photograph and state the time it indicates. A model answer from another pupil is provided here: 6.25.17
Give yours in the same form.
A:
3.46.30
